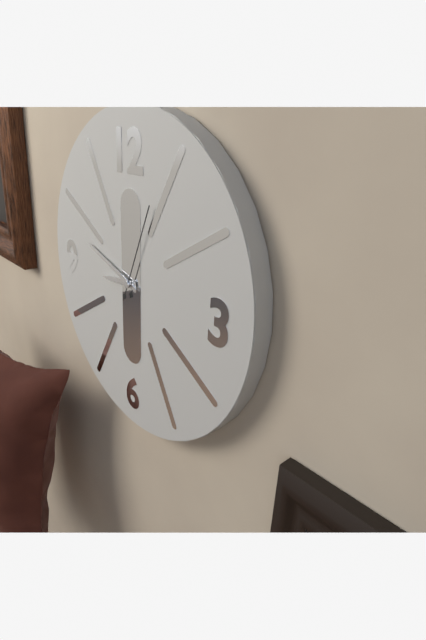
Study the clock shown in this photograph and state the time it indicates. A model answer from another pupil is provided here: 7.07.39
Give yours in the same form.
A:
8.48.04
